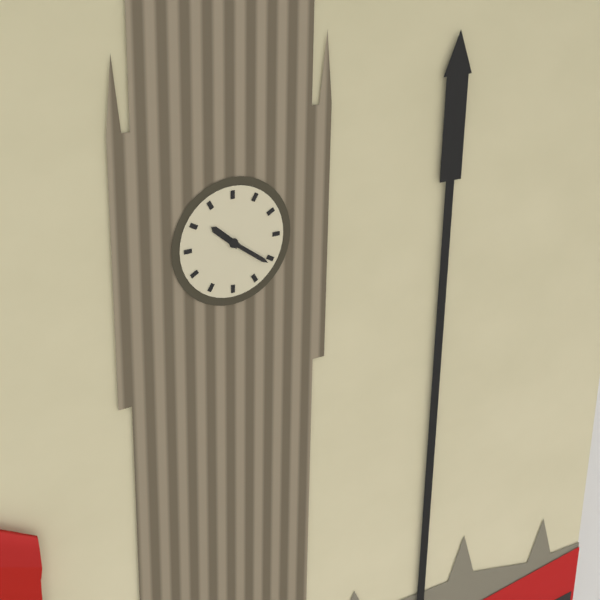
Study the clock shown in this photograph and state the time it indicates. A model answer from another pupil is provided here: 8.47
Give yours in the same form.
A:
10.21
